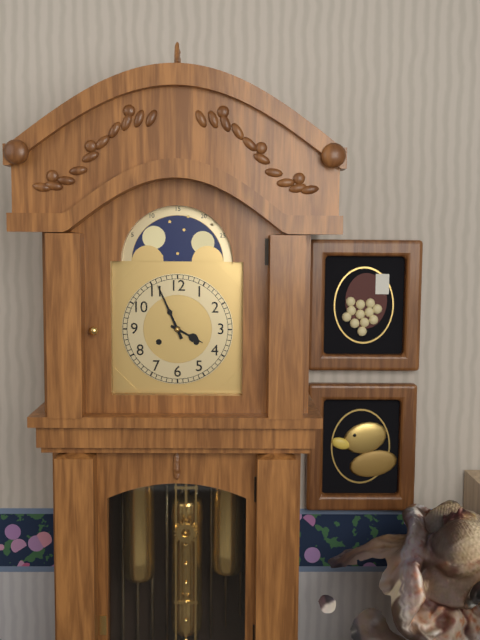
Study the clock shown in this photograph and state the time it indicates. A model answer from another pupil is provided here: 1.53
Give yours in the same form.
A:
3.56
